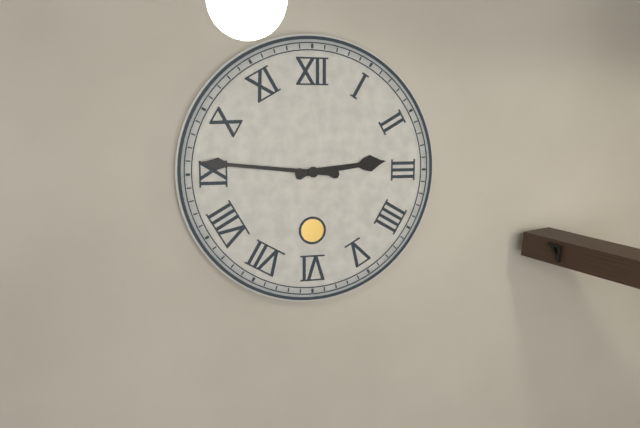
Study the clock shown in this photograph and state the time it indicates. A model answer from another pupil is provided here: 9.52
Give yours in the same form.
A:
2.46
